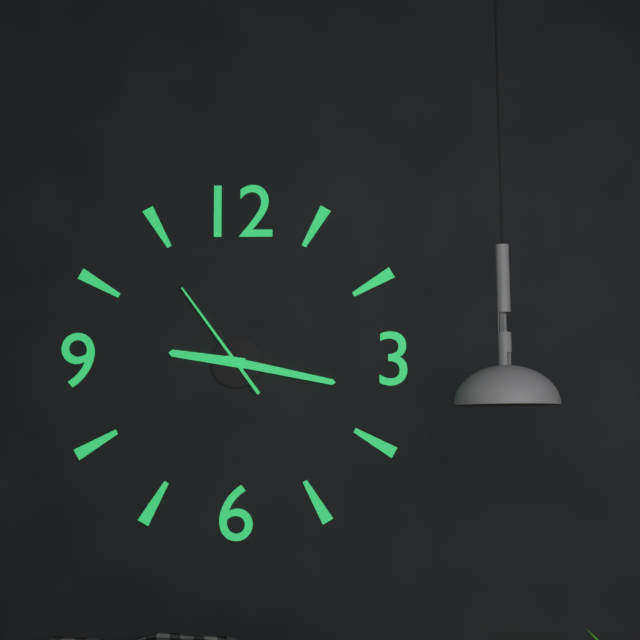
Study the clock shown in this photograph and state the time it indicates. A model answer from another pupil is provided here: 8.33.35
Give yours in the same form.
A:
9.17.54
